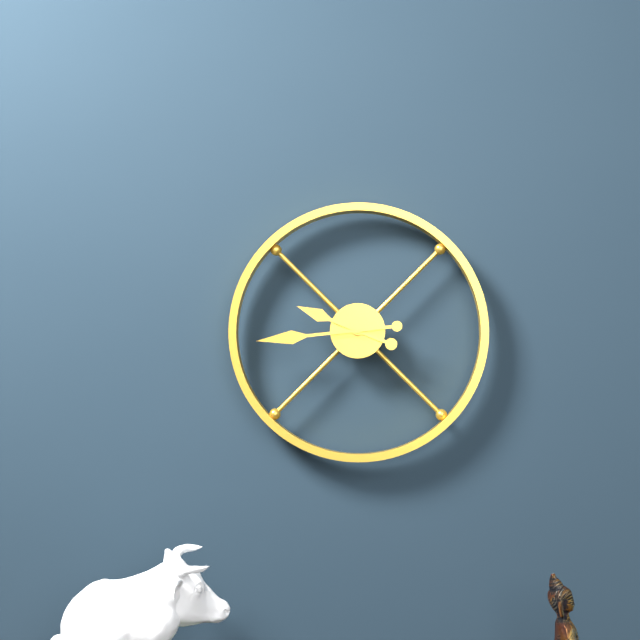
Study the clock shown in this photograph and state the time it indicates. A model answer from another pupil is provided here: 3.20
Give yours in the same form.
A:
9.44
